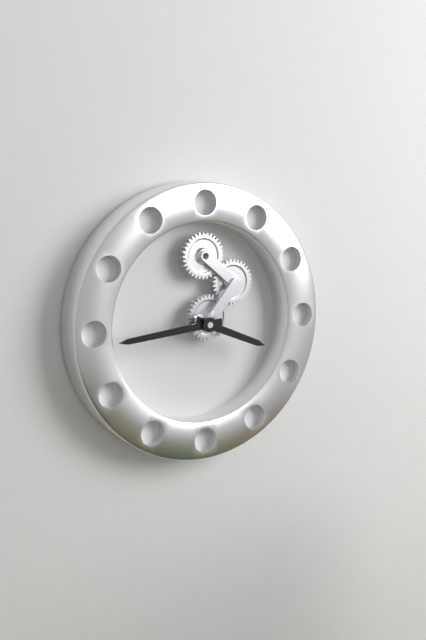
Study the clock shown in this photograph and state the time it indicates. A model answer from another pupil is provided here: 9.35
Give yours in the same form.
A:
3.44
